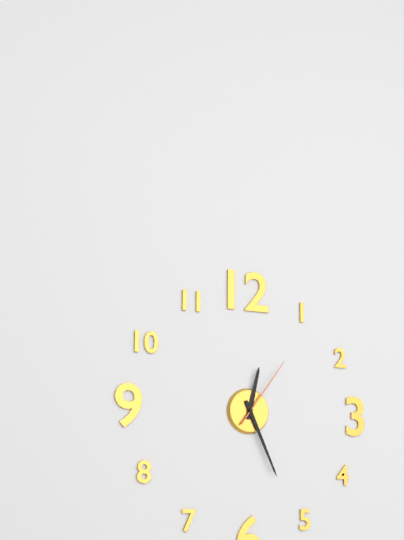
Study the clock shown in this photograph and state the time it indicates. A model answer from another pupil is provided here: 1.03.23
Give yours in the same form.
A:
12.26.06
